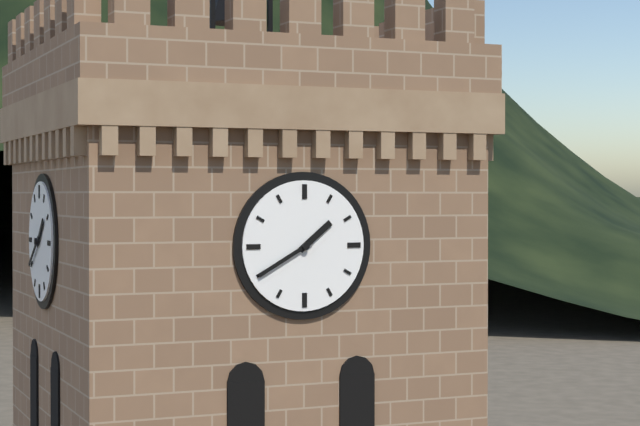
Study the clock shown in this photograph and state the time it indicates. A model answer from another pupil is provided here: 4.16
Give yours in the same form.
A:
1.40
